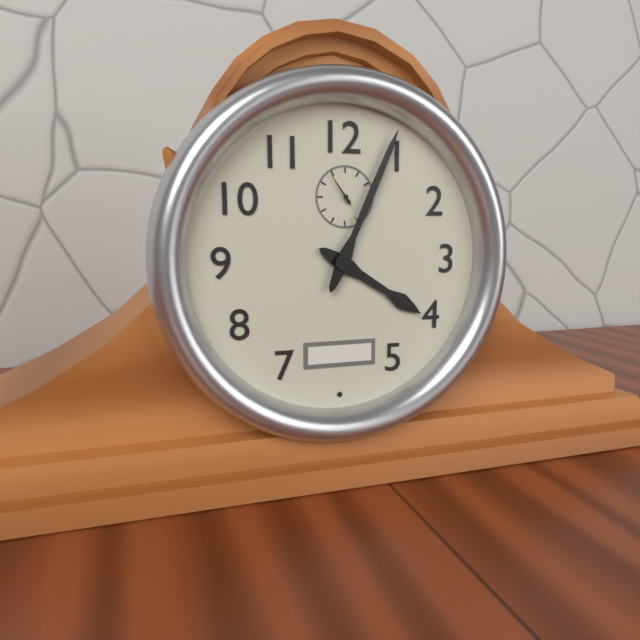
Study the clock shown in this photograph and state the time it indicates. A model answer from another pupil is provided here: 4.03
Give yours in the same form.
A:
4.04
